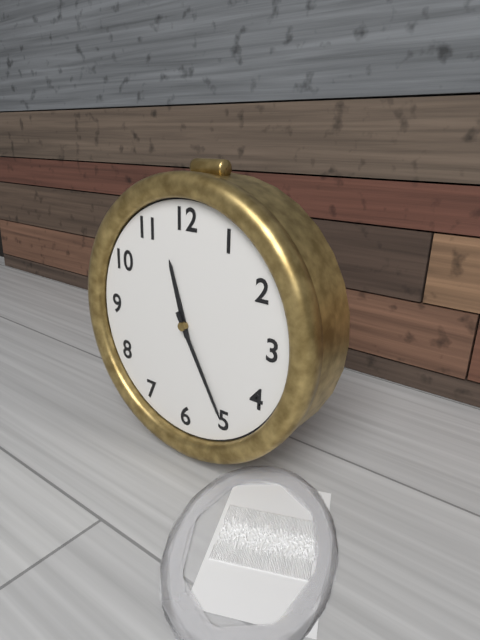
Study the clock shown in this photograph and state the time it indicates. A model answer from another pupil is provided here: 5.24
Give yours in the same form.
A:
11.25
